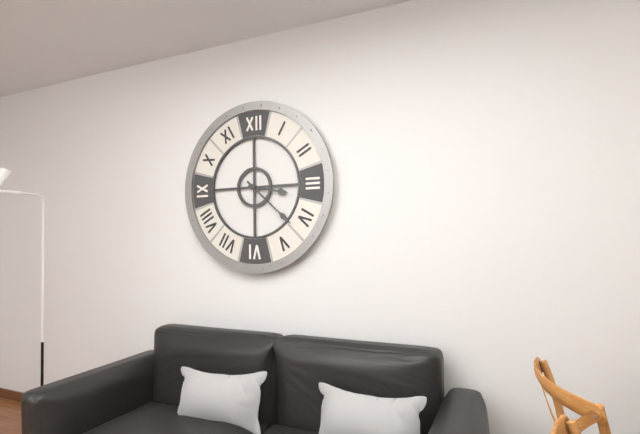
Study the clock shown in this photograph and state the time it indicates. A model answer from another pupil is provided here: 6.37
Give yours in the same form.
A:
3.22
